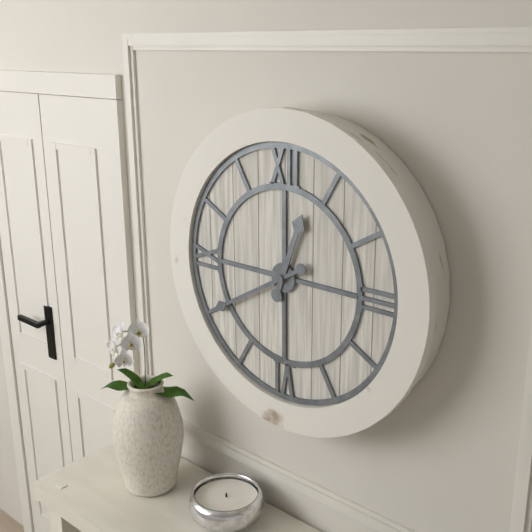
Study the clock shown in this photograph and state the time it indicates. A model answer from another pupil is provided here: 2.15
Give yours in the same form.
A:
12.40
